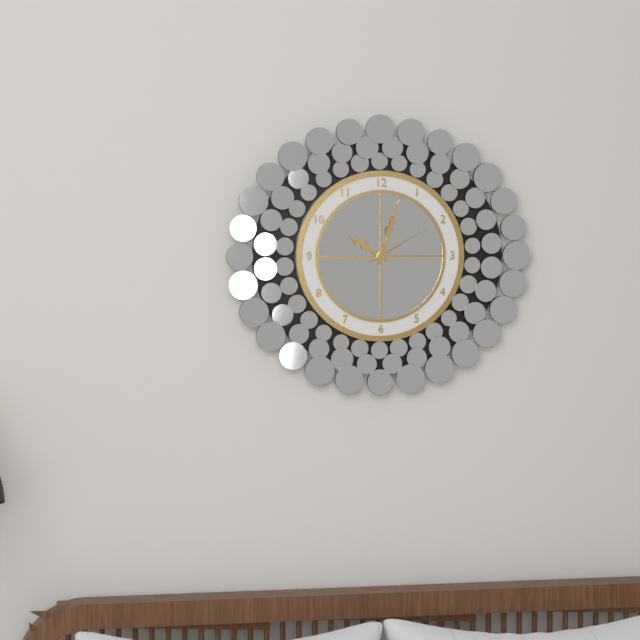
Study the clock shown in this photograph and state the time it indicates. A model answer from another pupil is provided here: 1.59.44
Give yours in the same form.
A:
10.03.10
